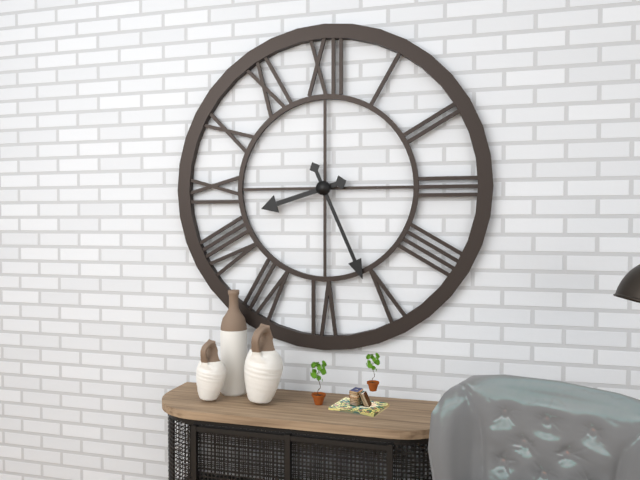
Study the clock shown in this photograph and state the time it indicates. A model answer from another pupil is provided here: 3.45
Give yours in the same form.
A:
8.26
